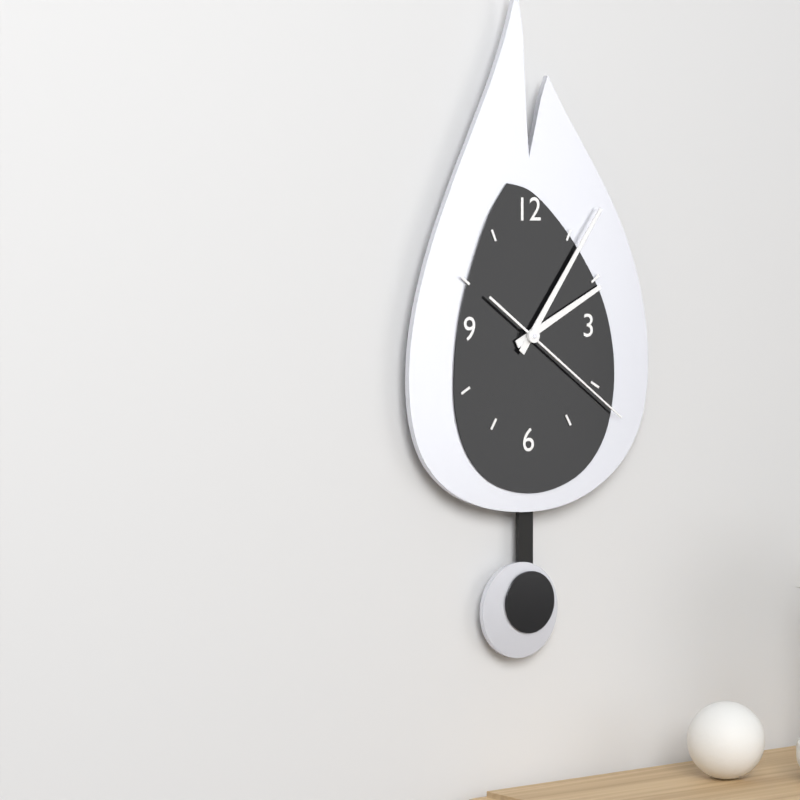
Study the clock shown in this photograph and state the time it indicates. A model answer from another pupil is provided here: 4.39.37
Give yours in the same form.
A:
2.06.21
